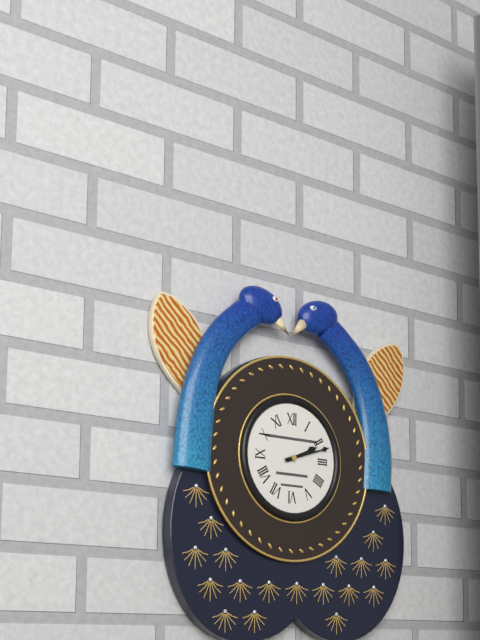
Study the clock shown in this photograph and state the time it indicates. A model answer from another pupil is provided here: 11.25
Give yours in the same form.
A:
2.12
